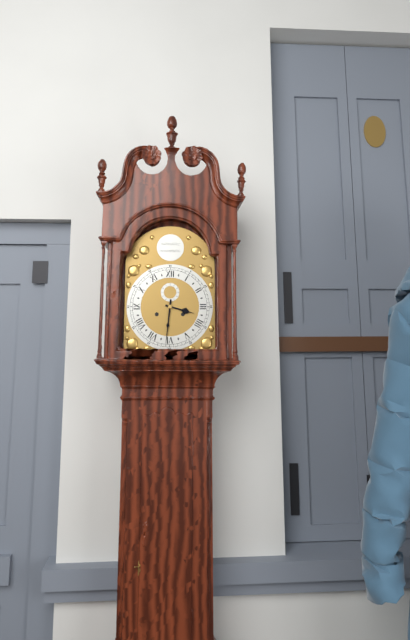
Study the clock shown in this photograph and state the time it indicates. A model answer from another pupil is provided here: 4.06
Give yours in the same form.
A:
3.31
